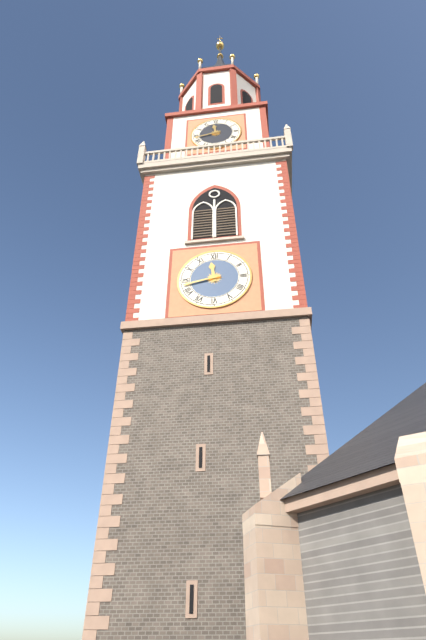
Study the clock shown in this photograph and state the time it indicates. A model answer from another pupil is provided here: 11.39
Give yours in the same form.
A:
11.43
